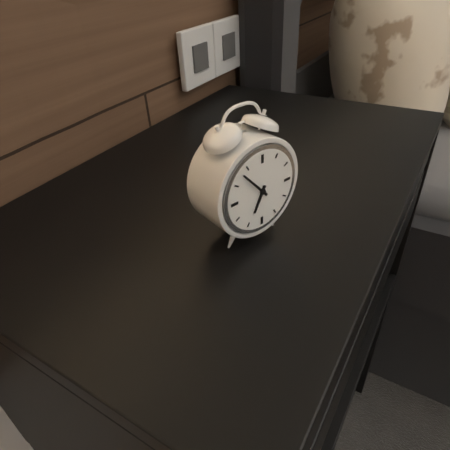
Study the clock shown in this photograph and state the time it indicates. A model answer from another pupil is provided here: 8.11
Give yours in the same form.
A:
6.53
